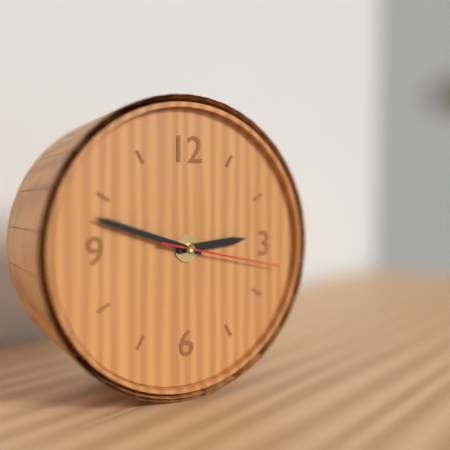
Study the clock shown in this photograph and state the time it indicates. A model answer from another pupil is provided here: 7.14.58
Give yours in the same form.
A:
2.48.17
